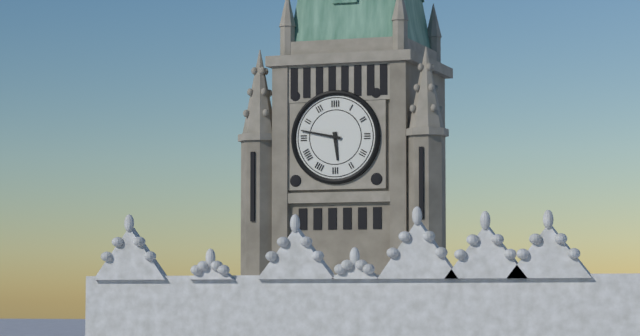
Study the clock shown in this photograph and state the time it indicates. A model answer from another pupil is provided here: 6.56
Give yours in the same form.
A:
5.47
